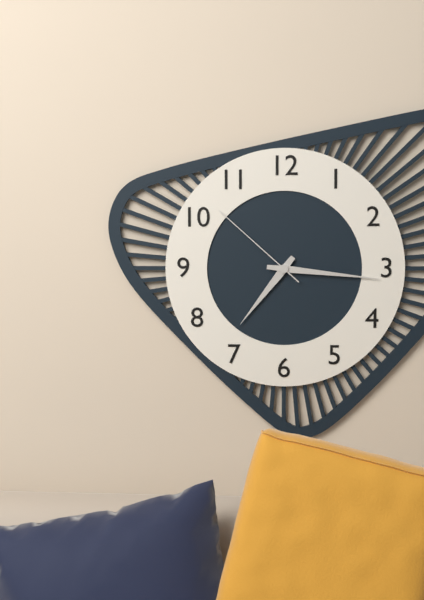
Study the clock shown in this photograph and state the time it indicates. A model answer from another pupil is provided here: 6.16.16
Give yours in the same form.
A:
7.16.52
